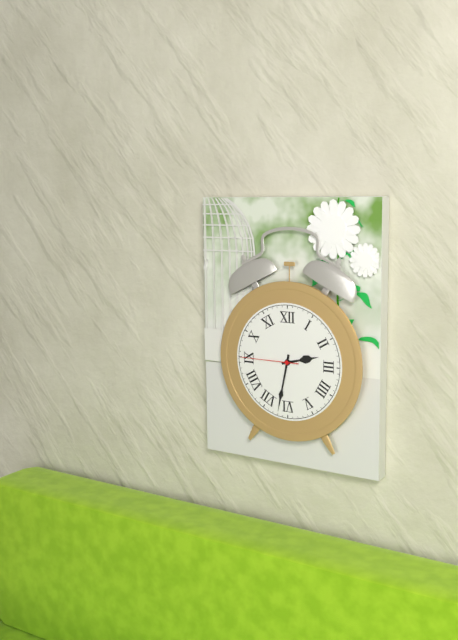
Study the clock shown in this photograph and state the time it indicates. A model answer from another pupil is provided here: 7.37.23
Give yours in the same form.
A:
2.32.45
